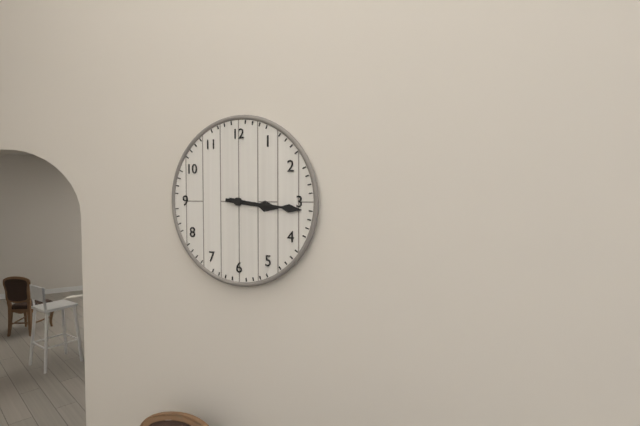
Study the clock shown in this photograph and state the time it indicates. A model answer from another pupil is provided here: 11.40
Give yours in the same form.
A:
3.16
